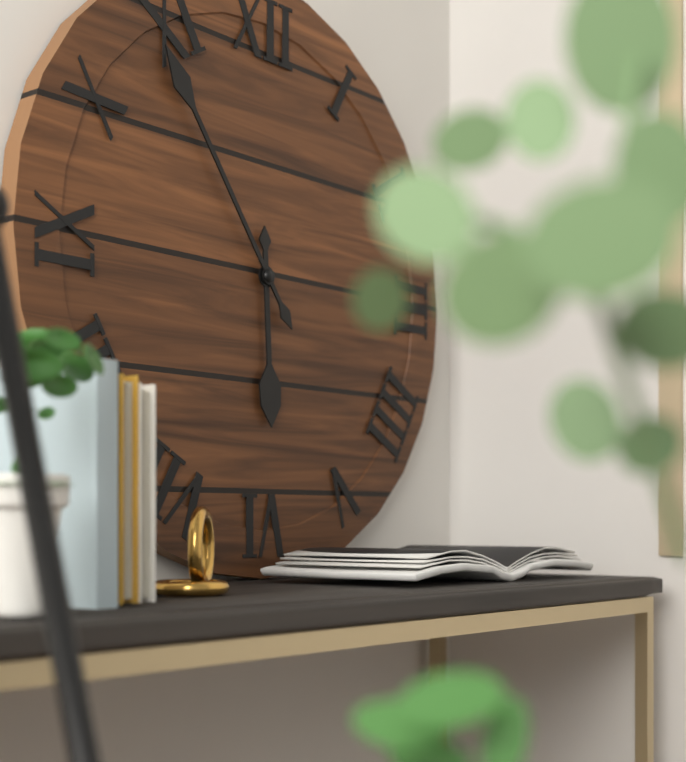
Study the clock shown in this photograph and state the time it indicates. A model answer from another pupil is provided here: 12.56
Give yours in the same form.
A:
5.54
